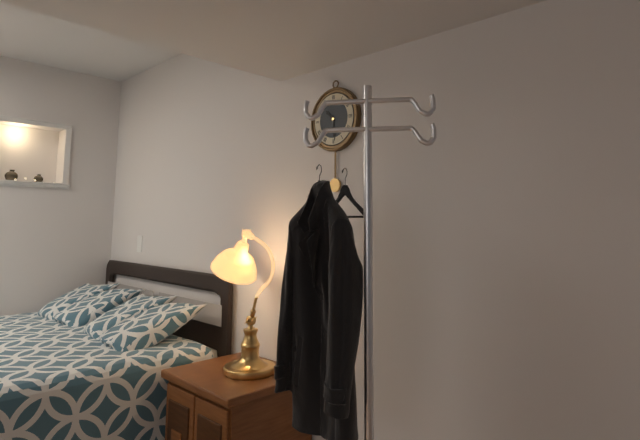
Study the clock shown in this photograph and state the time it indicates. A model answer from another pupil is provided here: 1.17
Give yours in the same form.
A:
10.29
